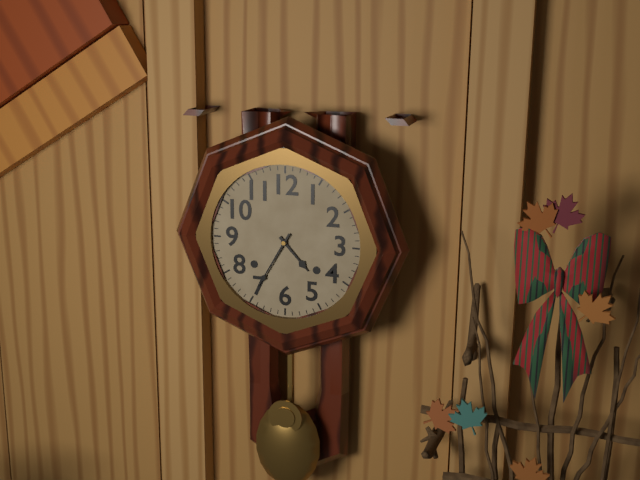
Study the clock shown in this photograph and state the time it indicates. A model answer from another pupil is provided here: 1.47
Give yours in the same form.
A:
4.35
